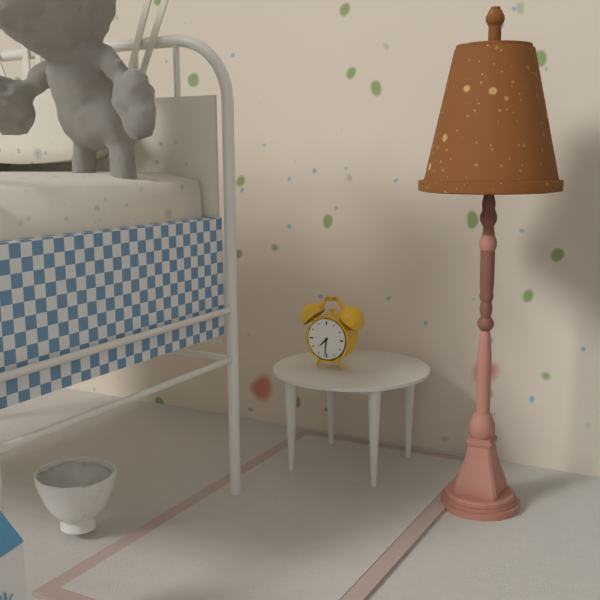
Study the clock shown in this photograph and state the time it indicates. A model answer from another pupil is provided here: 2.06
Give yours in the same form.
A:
7.31
